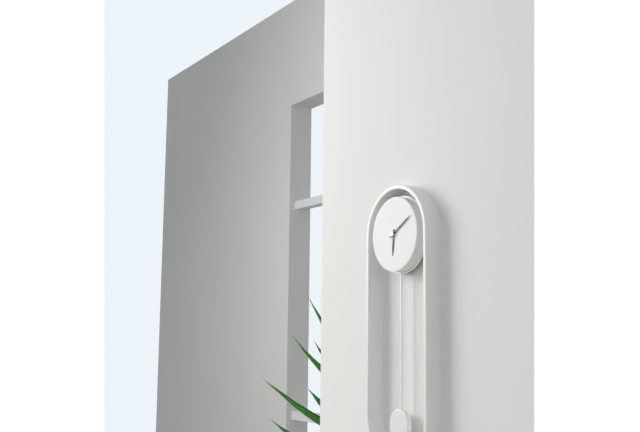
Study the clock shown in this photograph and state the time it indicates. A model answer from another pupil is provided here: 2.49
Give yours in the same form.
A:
6.10
